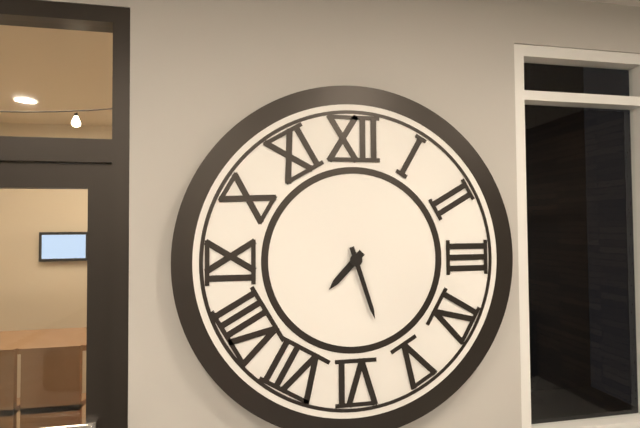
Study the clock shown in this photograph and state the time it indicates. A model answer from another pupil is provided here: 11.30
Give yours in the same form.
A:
7.27
